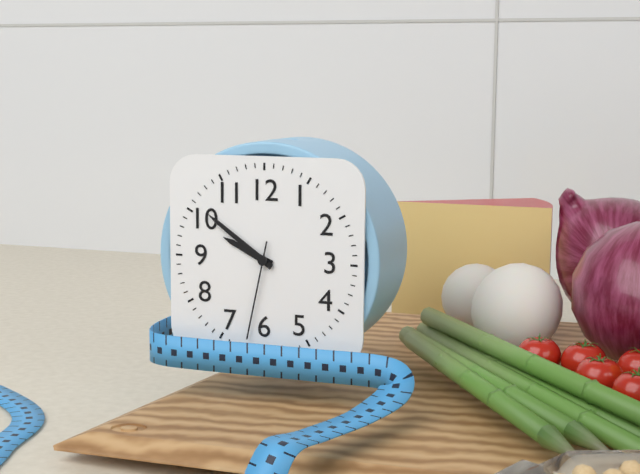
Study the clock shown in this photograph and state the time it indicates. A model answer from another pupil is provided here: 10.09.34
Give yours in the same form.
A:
9.51.32
